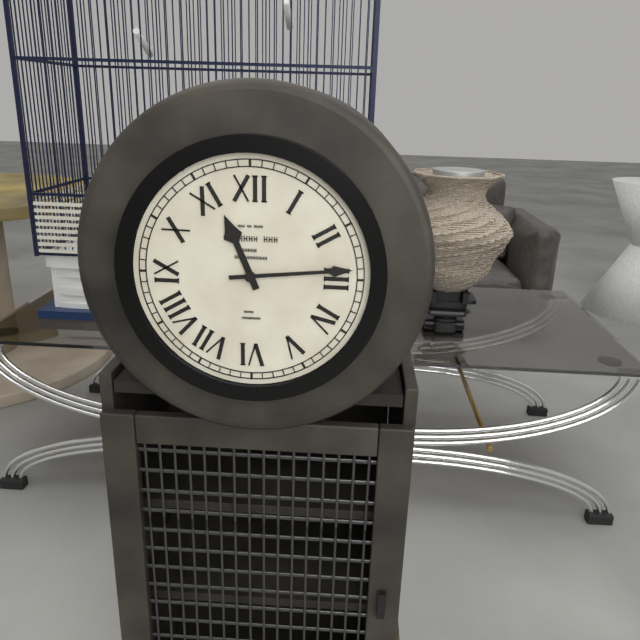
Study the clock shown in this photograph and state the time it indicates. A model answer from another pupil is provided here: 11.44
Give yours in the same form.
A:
11.14
